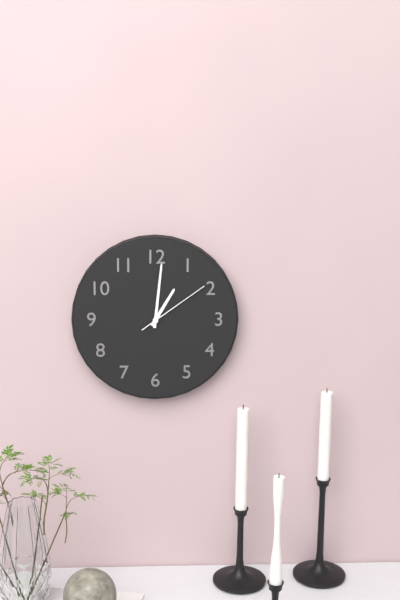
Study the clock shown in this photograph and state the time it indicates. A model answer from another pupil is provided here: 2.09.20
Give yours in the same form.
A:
1.01.09
